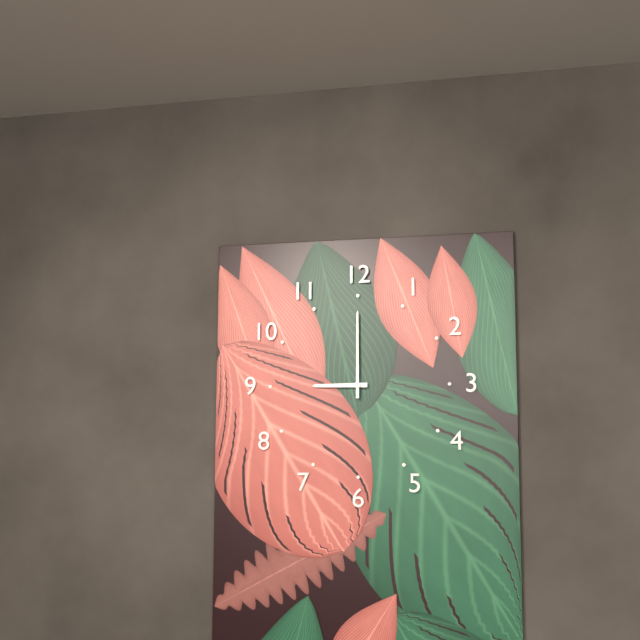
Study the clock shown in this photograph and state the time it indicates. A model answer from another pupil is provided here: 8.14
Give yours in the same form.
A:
9.00
